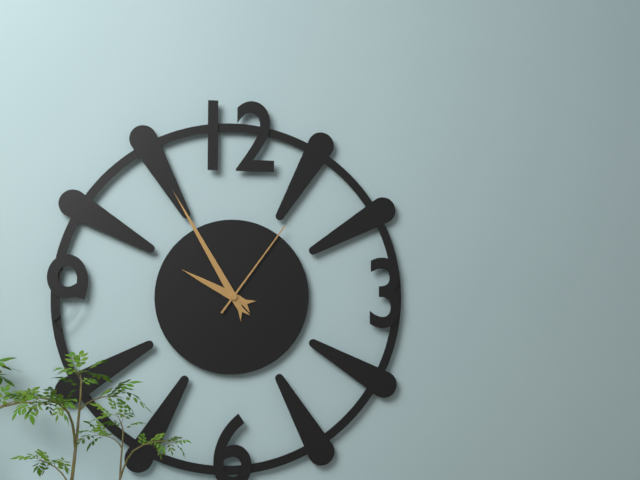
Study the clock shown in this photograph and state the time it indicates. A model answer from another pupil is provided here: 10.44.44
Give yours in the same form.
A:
9.55.06
